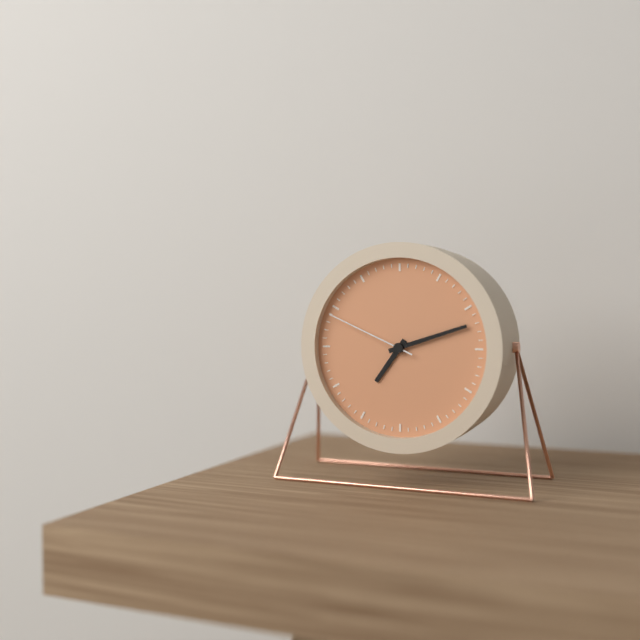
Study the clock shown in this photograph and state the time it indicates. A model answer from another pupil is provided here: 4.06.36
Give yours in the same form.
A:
7.12.49
